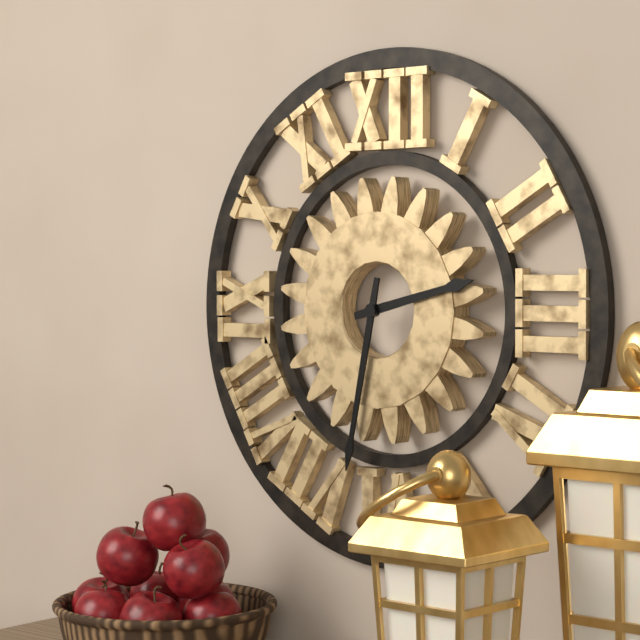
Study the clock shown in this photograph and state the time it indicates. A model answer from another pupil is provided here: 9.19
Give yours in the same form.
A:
2.32
